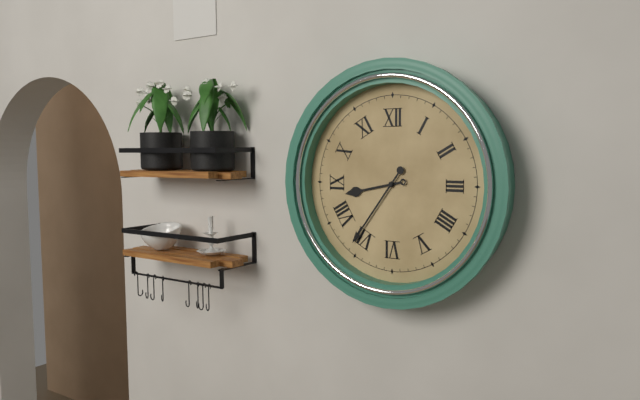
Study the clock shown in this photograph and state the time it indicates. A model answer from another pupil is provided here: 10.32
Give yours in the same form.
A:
8.36
